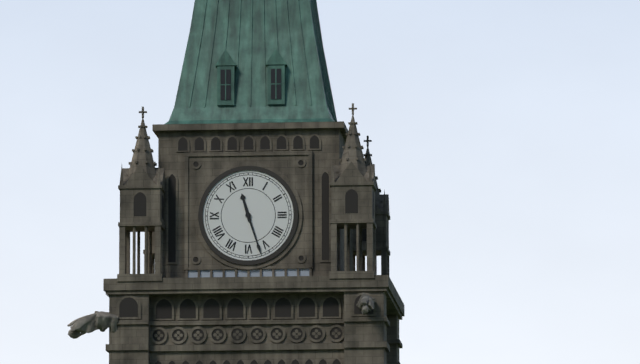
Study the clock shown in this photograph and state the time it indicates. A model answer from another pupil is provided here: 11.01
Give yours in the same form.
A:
11.27
